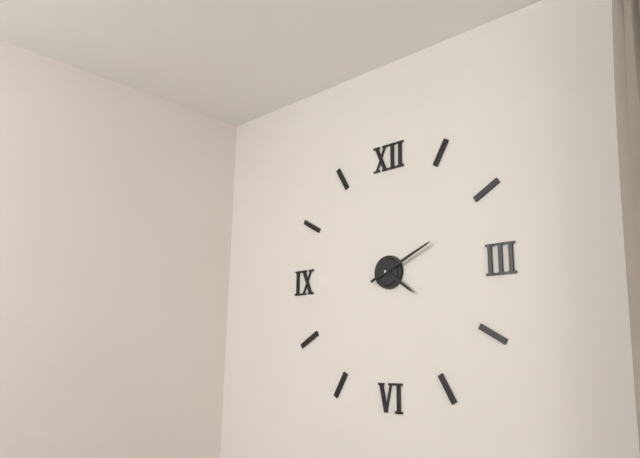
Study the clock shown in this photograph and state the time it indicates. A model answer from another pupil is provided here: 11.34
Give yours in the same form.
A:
4.11
